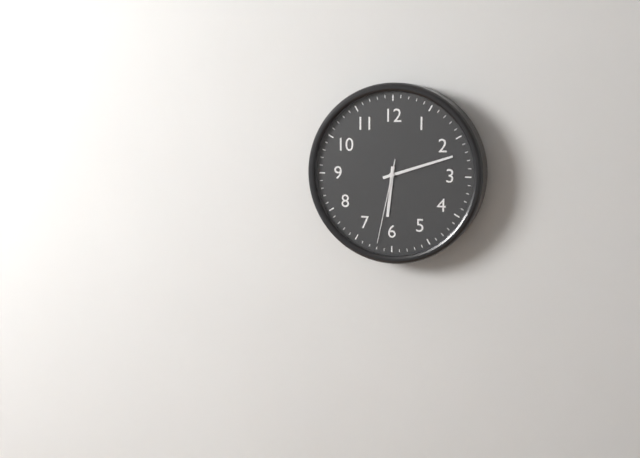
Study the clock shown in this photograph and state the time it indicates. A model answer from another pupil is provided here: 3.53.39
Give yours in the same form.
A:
6.12.32
